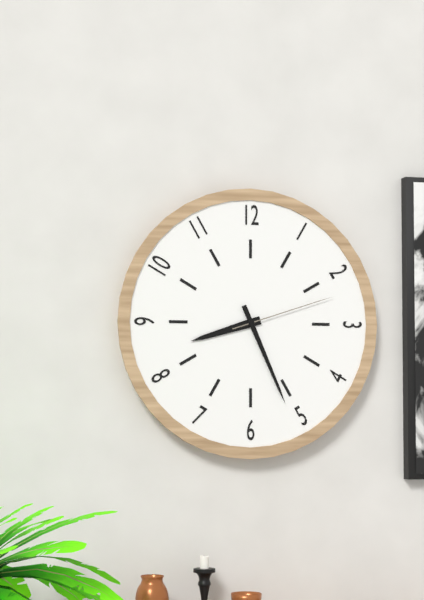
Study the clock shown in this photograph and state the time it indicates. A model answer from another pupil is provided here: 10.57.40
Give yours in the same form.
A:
8.26.12
